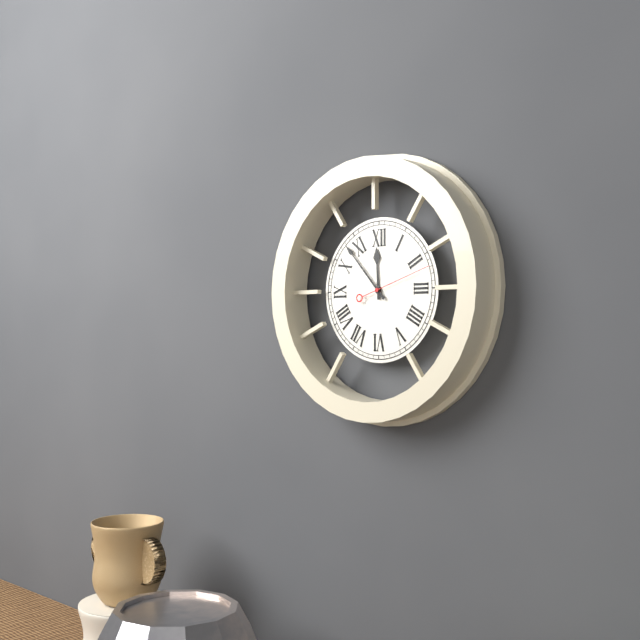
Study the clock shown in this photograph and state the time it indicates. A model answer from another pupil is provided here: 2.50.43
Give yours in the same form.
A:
11.53.12
